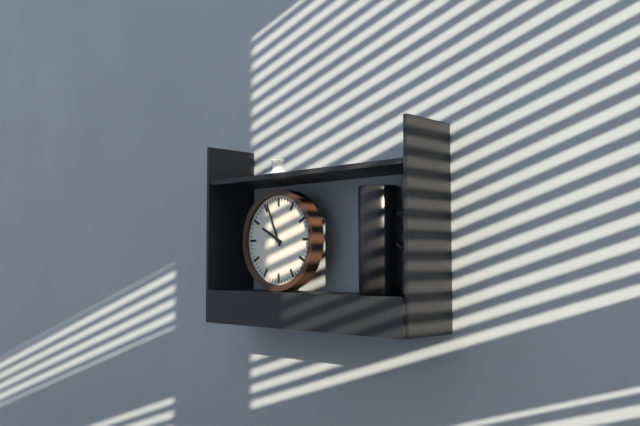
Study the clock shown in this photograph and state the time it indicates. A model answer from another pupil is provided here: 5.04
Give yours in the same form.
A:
9.56
